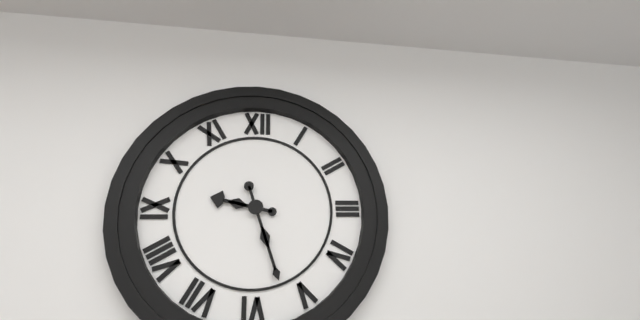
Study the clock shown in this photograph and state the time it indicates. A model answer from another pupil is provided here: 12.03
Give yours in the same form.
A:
9.27
